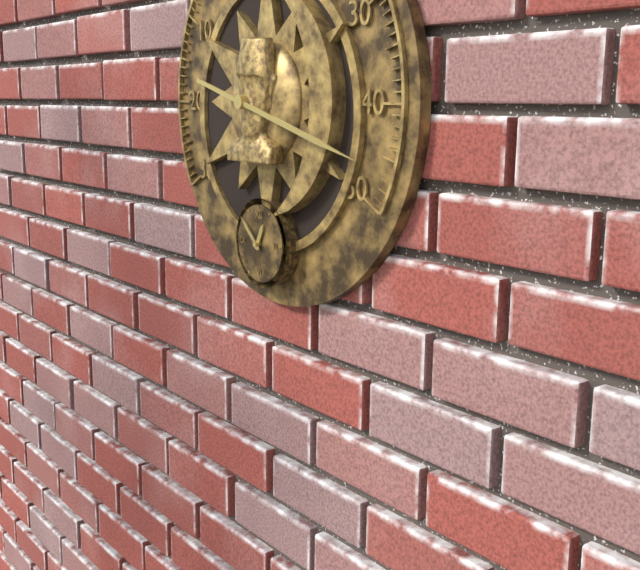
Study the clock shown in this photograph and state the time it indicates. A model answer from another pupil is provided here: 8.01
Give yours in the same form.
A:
12.52
